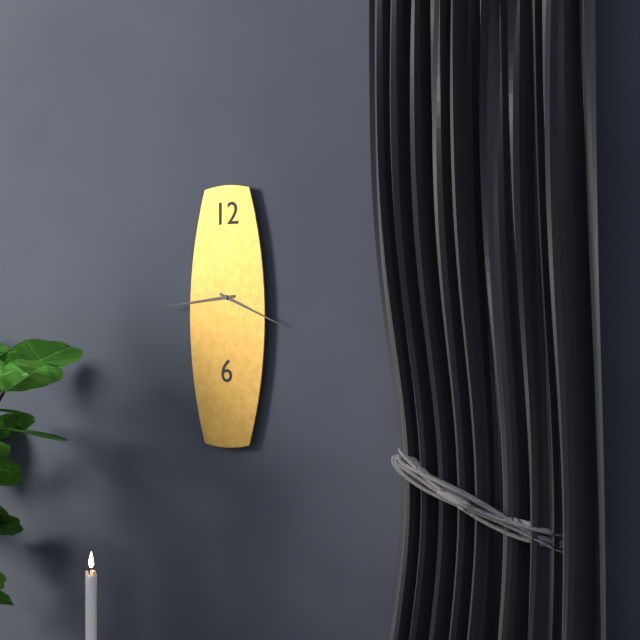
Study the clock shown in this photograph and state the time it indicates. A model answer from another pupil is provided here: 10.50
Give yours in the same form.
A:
3.44
